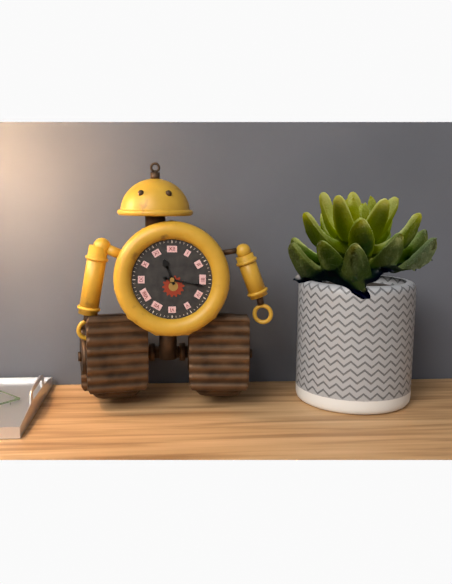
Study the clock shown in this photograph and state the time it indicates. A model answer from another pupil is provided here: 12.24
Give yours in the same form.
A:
11.17
